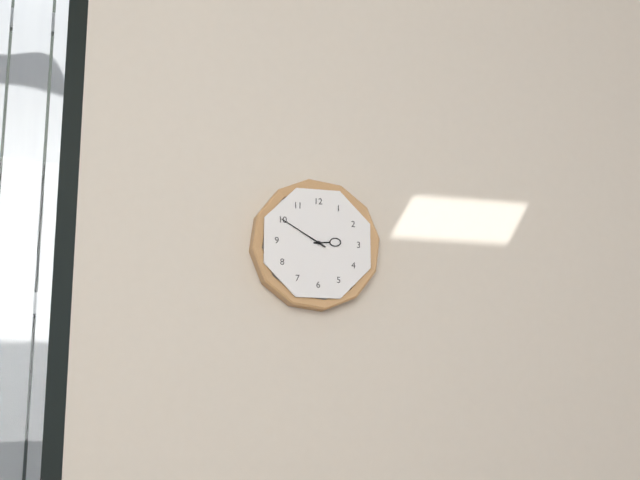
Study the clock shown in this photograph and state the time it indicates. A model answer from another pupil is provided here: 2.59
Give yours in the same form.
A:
2.50
